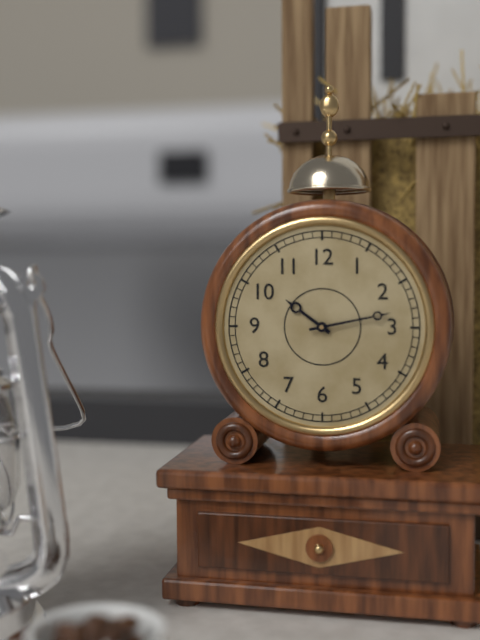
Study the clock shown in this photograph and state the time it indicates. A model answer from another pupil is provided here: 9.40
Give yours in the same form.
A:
10.13
